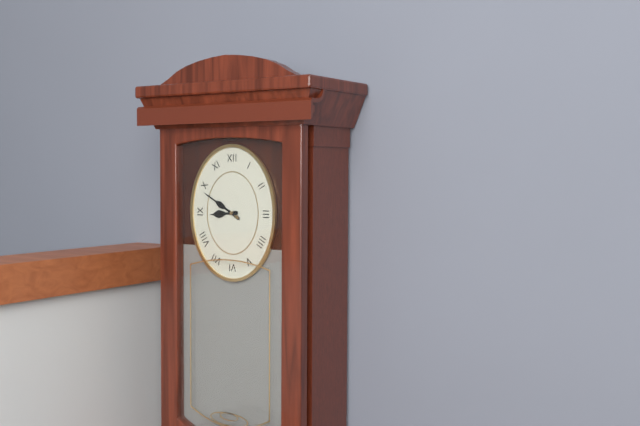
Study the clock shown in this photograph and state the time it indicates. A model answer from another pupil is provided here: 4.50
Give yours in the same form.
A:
8.50
